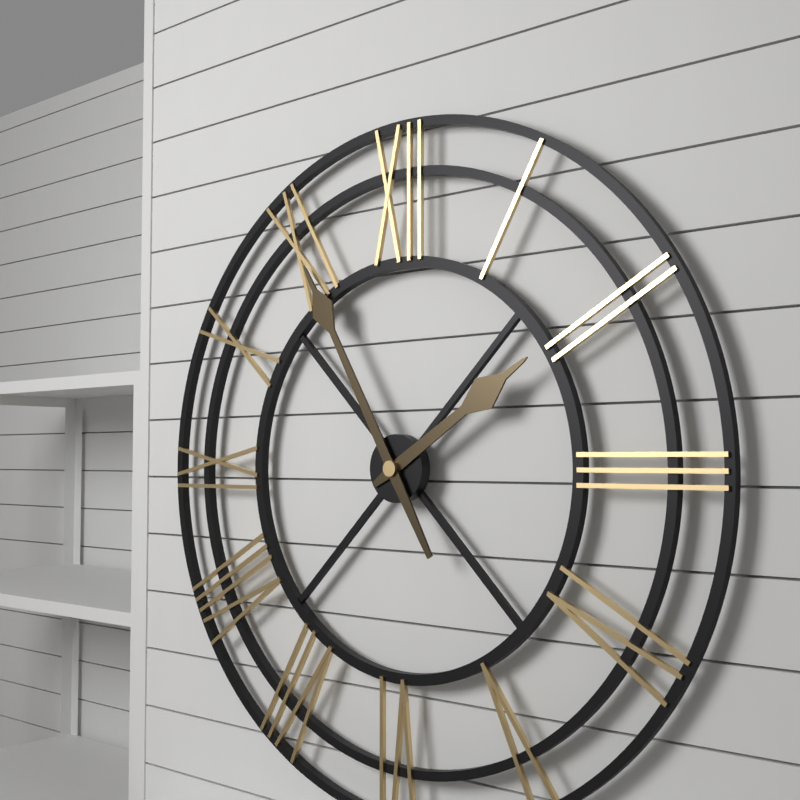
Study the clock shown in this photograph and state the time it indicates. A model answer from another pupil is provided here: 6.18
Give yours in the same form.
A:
1.55
